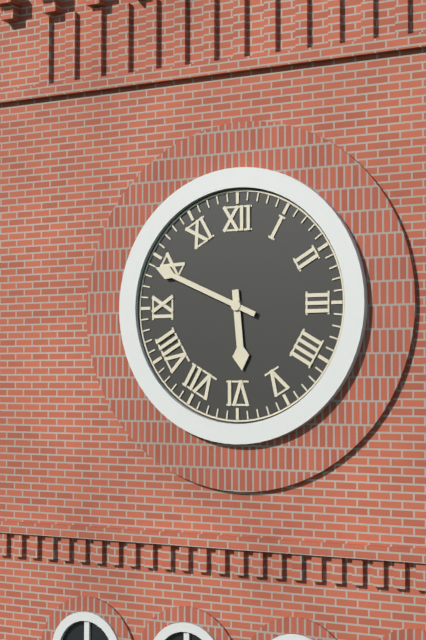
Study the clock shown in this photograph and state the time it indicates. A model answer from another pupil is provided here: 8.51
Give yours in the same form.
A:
5.49
